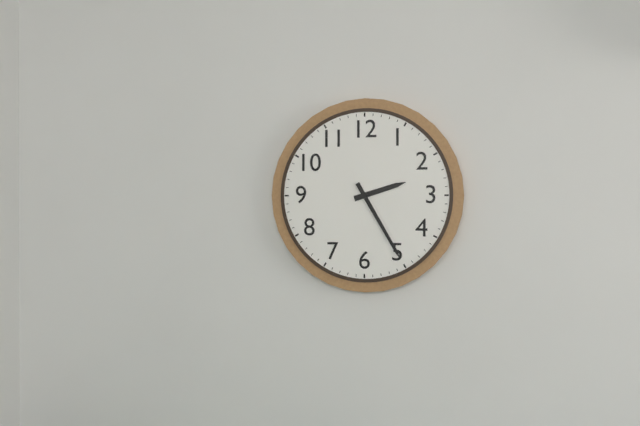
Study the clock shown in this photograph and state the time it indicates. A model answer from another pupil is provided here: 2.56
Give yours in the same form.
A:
2.25
